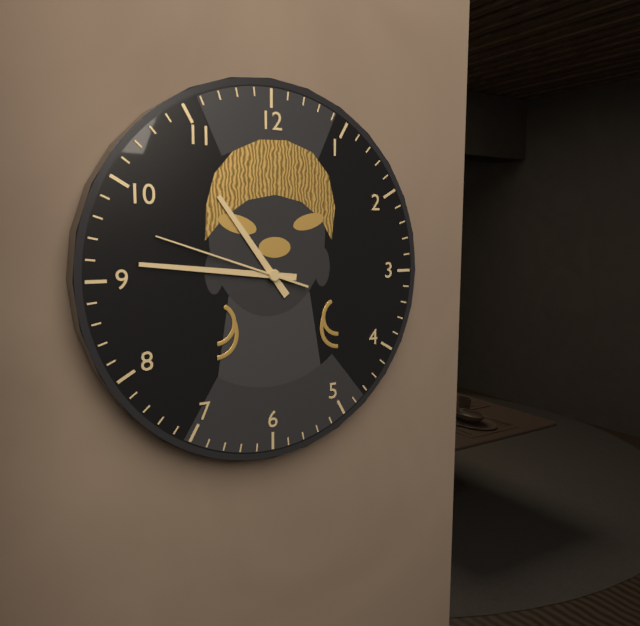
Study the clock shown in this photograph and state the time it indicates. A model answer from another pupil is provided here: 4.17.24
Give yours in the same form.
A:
10.46.48
